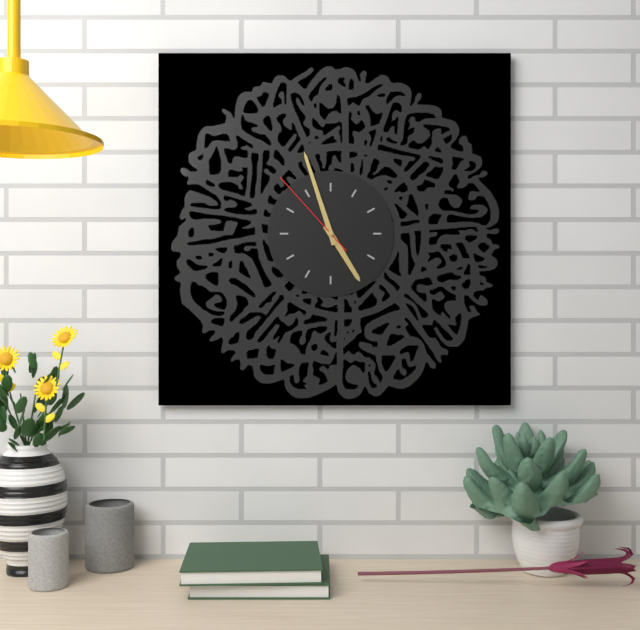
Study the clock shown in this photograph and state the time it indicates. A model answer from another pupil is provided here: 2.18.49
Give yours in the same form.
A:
4.57.53
